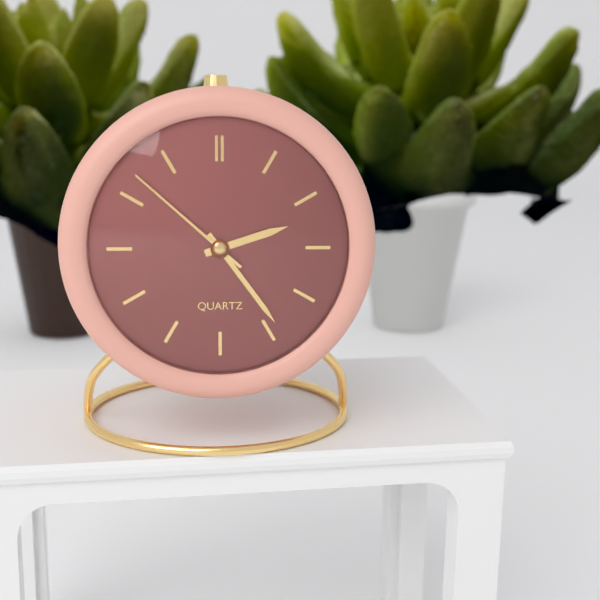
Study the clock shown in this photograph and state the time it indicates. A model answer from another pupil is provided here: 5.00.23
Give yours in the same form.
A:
2.24.52
